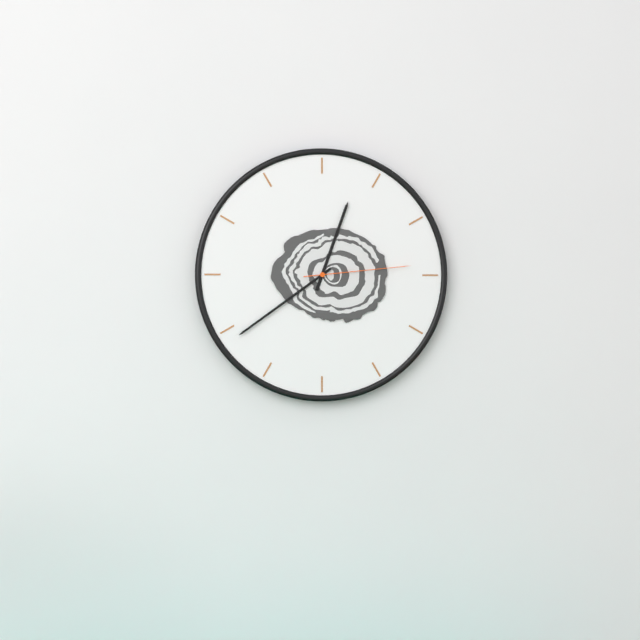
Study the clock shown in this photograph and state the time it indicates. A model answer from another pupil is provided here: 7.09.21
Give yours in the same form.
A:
12.39.14
